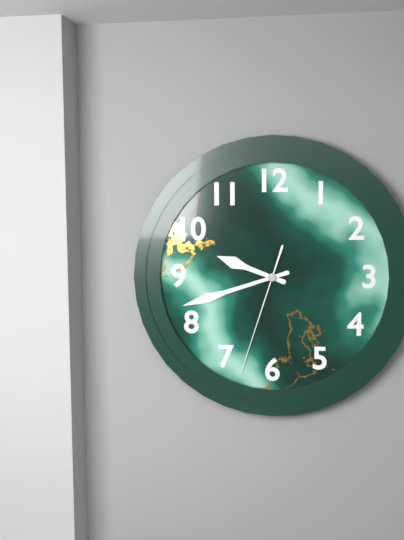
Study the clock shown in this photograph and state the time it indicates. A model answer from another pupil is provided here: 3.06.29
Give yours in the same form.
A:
9.42.33
